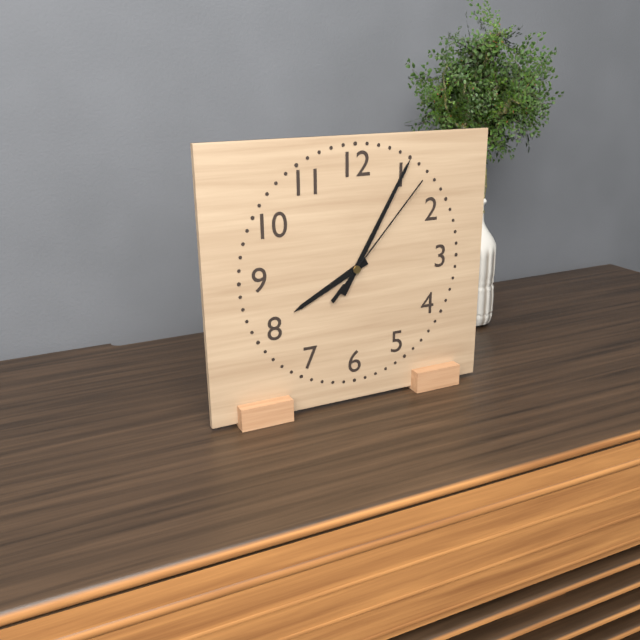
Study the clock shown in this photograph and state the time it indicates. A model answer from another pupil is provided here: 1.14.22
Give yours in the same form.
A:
8.05.07
